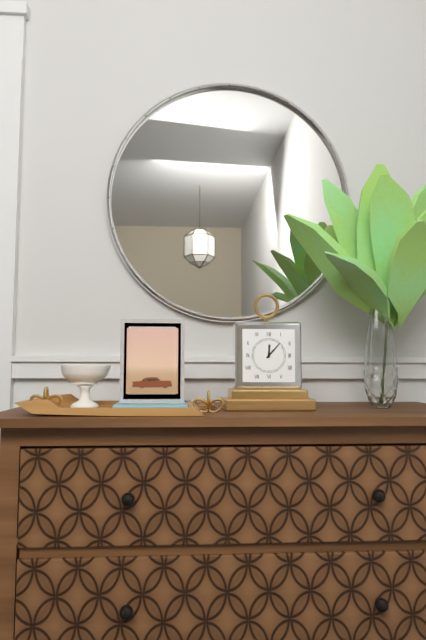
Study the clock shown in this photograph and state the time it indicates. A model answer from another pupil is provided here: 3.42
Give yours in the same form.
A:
12.07
